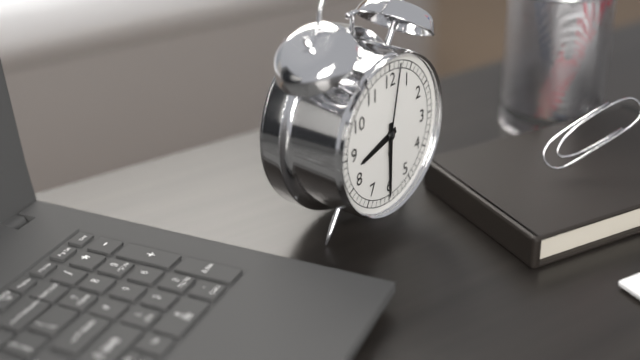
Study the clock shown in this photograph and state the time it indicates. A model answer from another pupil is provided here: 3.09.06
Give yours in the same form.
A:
8.30.02
